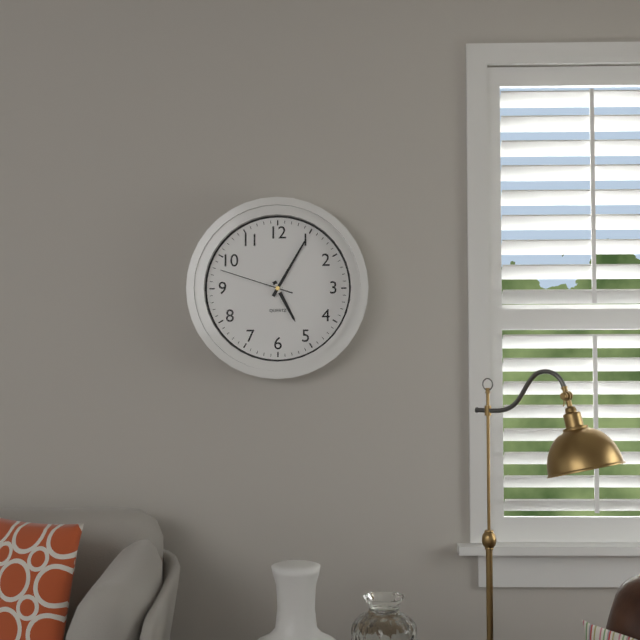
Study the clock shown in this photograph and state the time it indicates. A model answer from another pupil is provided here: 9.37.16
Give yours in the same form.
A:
5.05.48
